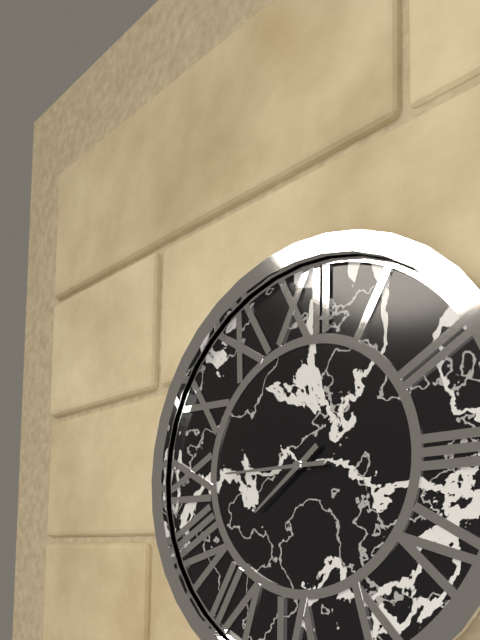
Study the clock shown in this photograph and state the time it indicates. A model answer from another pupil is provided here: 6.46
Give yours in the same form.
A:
7.45
